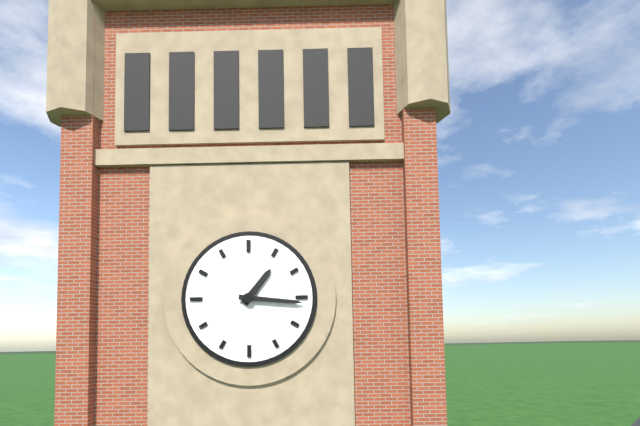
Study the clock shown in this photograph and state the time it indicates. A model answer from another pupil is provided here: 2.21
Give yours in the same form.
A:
1.16
